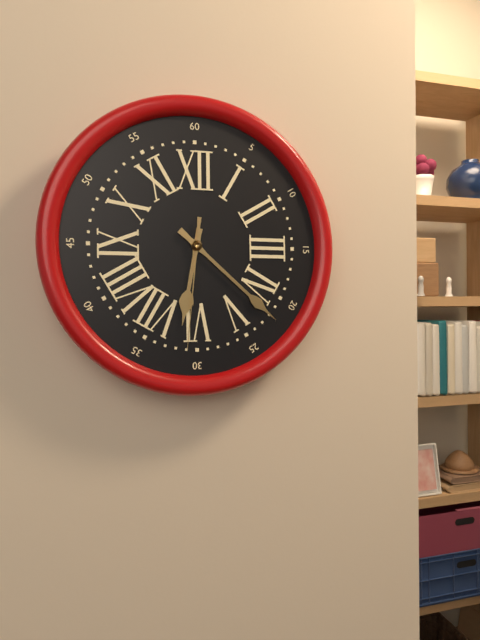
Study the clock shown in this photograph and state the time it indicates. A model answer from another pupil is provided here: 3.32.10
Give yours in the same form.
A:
6.22.31
